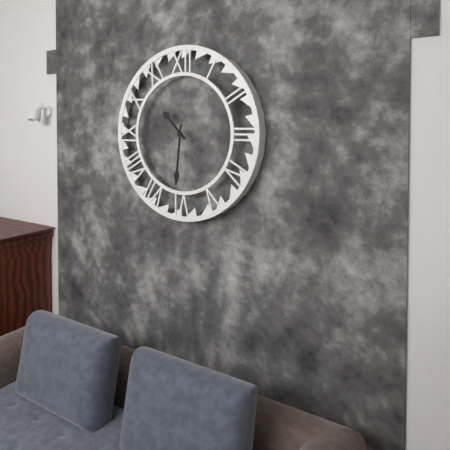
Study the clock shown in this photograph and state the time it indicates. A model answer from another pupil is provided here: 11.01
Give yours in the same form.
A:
10.31
